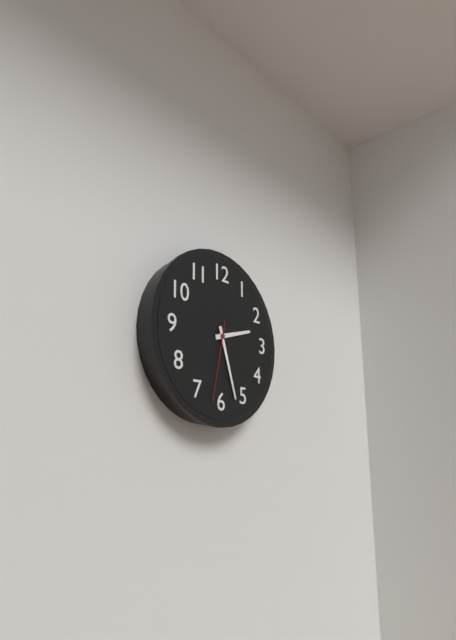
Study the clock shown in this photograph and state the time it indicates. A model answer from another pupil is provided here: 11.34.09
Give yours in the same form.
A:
2.27.32
